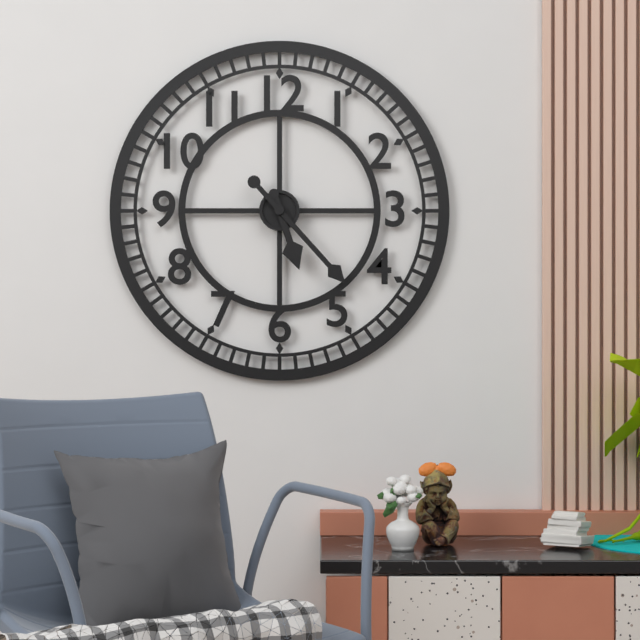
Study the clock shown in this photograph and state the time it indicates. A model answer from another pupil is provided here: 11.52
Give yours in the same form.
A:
5.23
